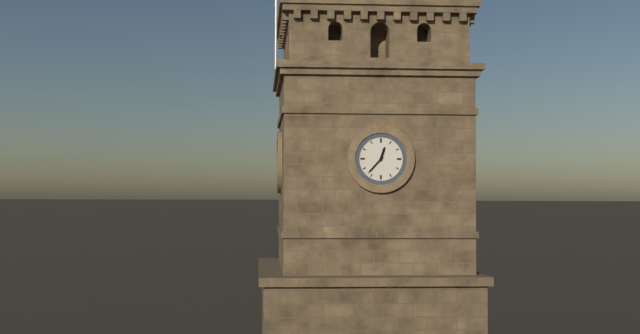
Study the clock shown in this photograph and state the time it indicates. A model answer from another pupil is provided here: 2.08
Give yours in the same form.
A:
12.37
